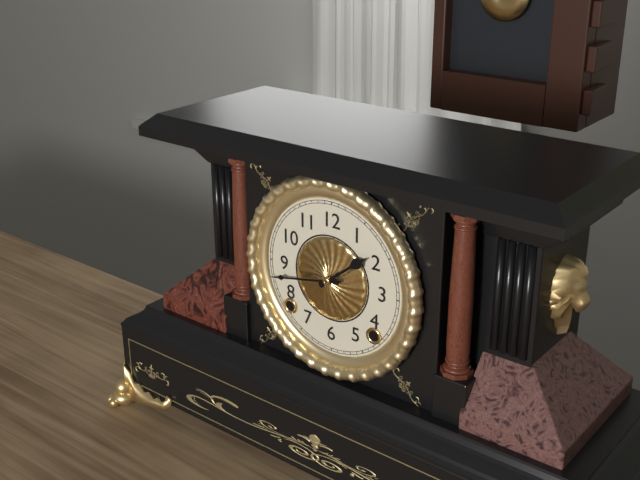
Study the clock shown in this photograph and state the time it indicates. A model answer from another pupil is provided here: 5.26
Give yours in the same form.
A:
1.43
